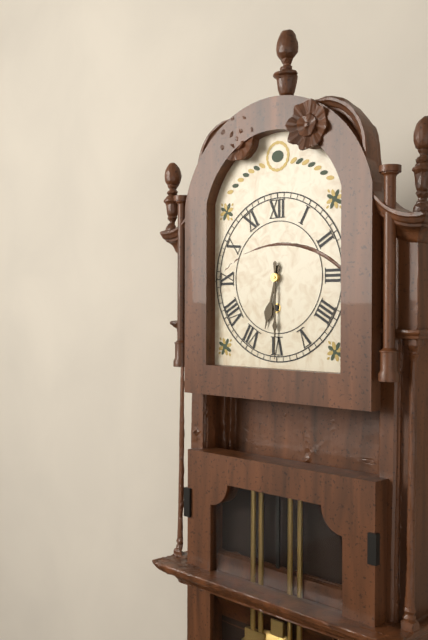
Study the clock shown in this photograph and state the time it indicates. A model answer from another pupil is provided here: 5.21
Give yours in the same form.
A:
6.30
